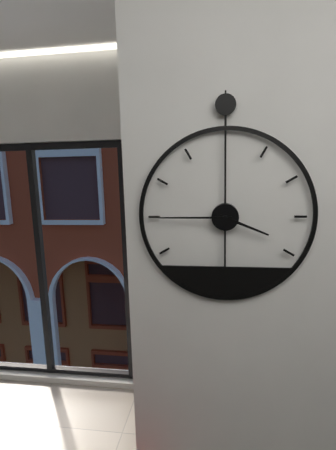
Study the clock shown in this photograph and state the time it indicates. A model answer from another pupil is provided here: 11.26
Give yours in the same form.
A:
3.45
